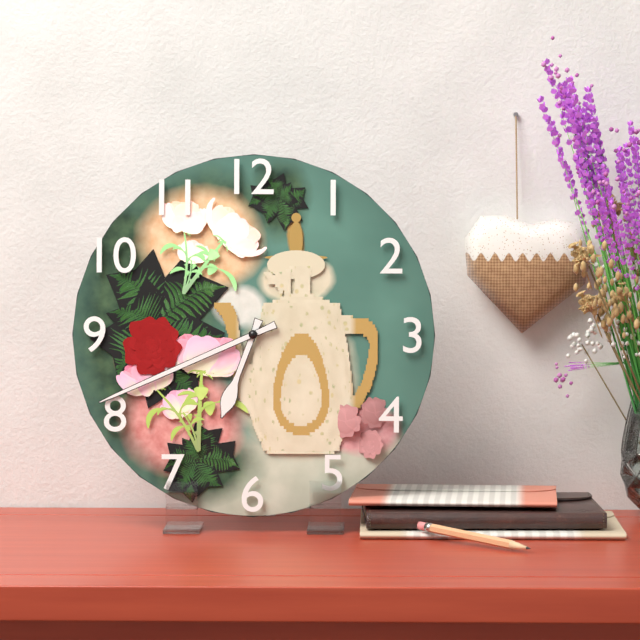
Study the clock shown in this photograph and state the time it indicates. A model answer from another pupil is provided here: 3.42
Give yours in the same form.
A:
6.41
